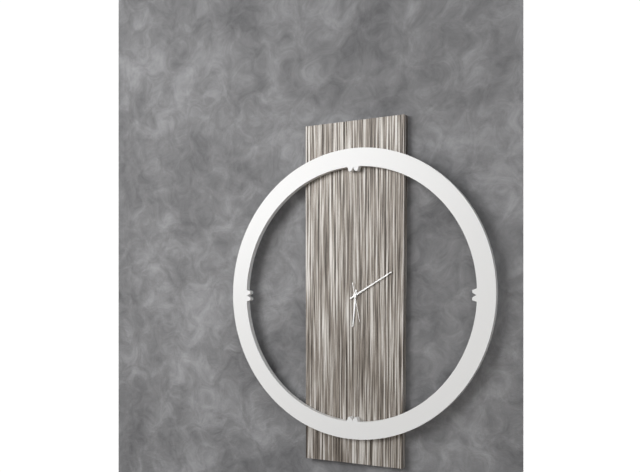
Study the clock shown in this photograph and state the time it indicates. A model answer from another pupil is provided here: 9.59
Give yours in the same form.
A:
6.10
